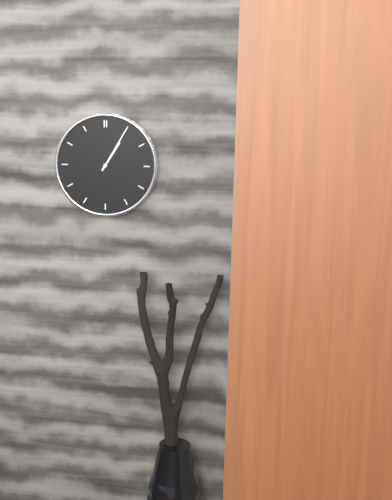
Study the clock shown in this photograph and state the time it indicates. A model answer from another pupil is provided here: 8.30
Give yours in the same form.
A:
1.05
